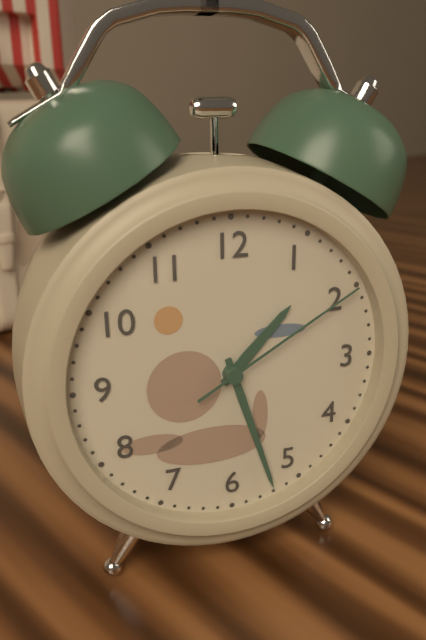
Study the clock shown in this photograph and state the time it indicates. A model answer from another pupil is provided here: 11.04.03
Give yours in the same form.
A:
1.27.10
